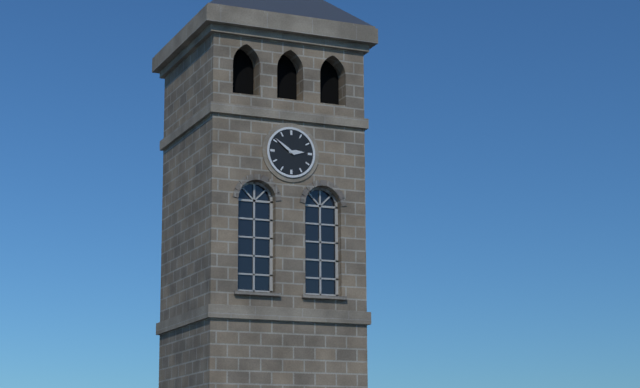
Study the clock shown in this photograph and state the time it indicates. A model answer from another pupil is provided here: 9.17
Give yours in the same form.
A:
2.51
